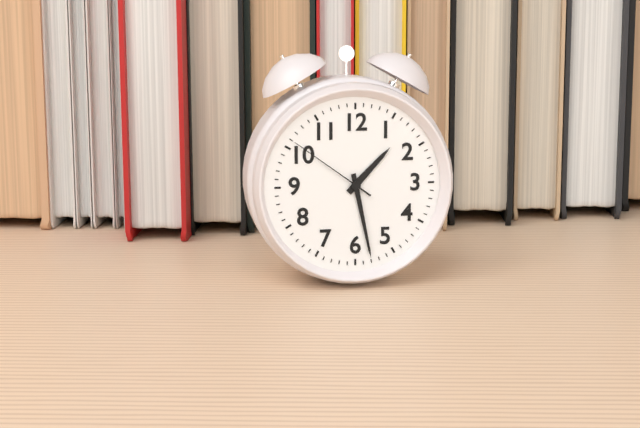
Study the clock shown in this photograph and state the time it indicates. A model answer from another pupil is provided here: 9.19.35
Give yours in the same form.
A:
1.28.51
